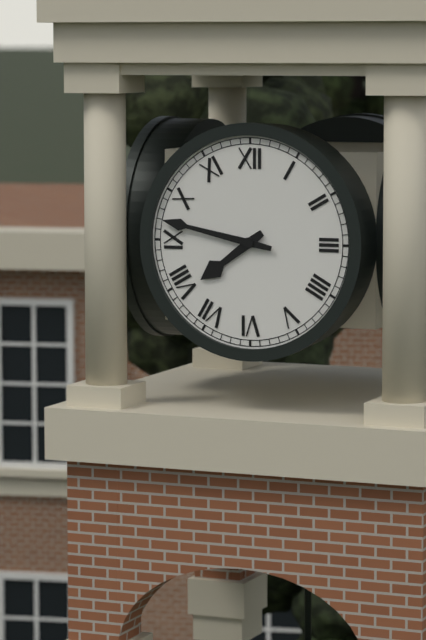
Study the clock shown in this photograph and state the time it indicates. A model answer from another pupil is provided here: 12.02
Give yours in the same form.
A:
7.47
